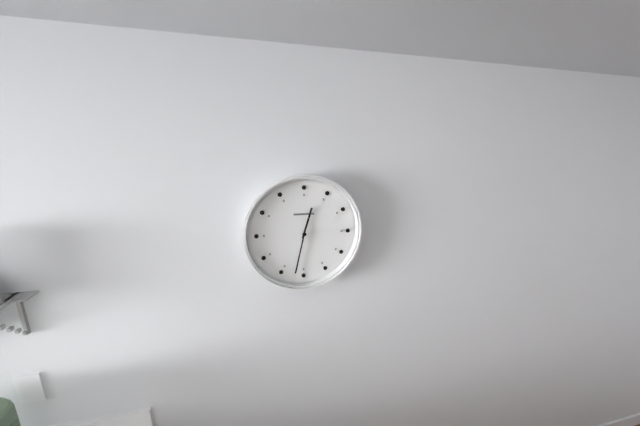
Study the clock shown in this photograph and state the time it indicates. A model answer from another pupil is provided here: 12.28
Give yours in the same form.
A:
12.32
